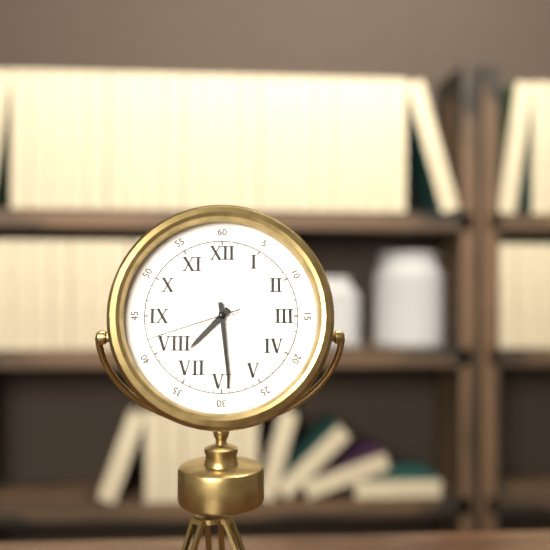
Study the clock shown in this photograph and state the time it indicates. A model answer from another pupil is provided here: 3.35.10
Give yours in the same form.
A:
7.29.42
